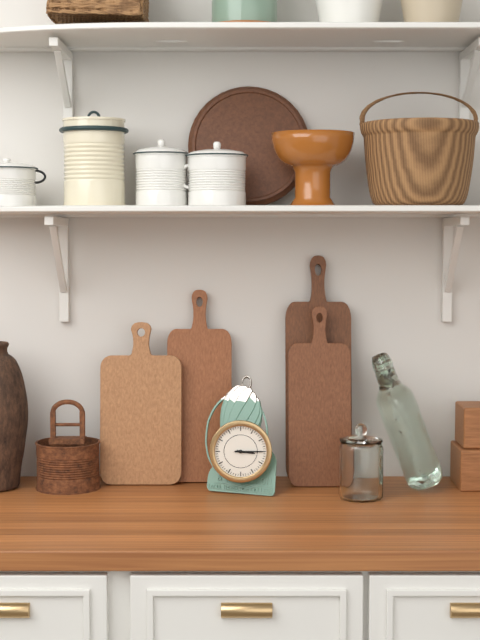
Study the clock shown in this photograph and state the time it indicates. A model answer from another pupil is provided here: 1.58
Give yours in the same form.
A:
3.15
